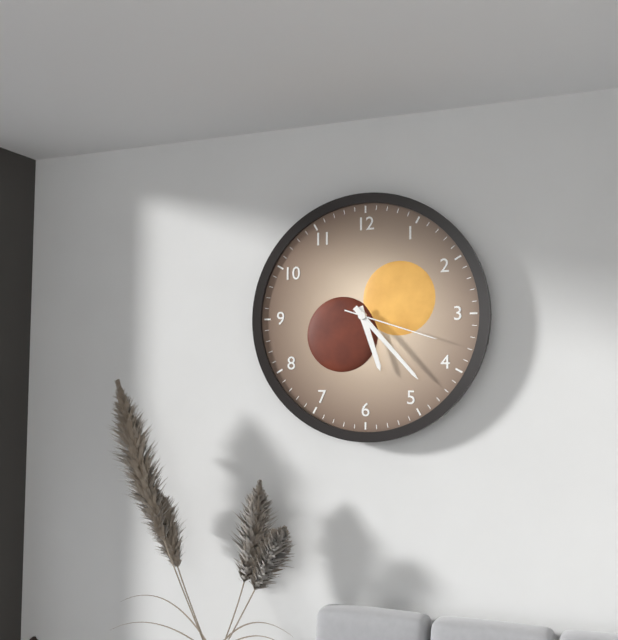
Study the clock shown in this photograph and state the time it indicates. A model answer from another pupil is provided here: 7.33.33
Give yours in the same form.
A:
5.23.18
